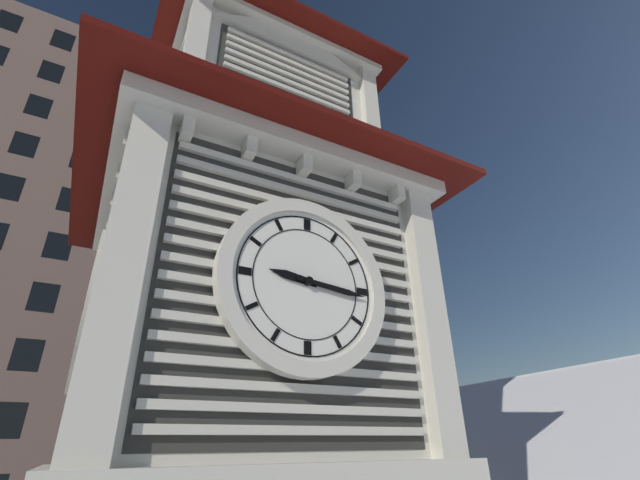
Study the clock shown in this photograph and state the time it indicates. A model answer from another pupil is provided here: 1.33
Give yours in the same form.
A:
9.16
